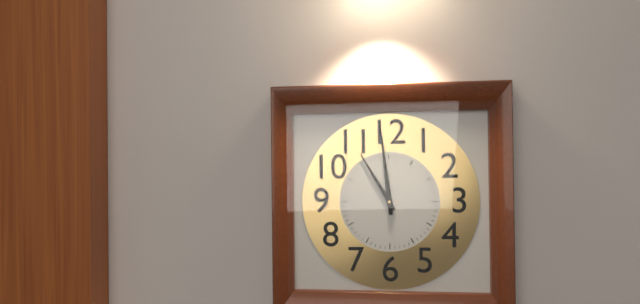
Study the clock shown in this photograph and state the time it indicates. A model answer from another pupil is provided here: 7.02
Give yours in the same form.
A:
10.59
